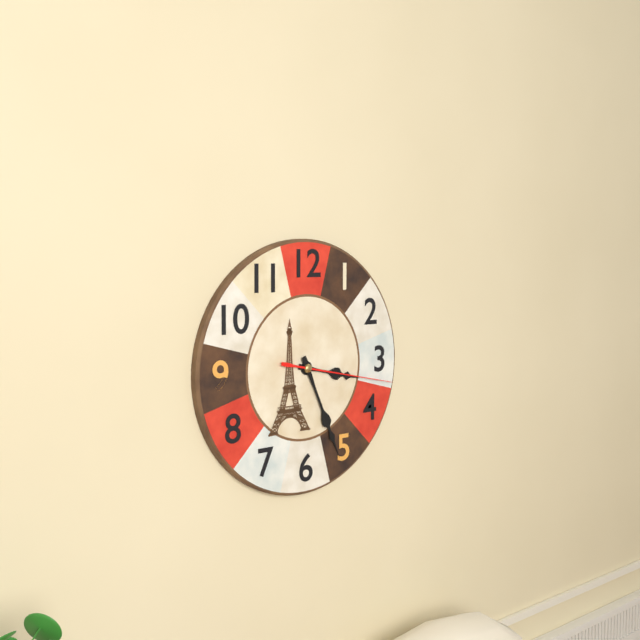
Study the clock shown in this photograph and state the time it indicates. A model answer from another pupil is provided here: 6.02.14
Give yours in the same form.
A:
3.26.17
